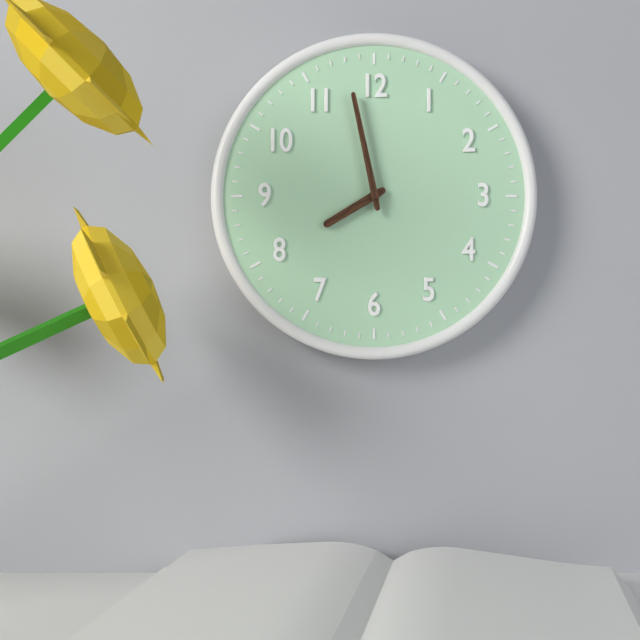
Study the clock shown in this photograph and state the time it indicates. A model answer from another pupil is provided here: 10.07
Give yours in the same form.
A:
7.58
